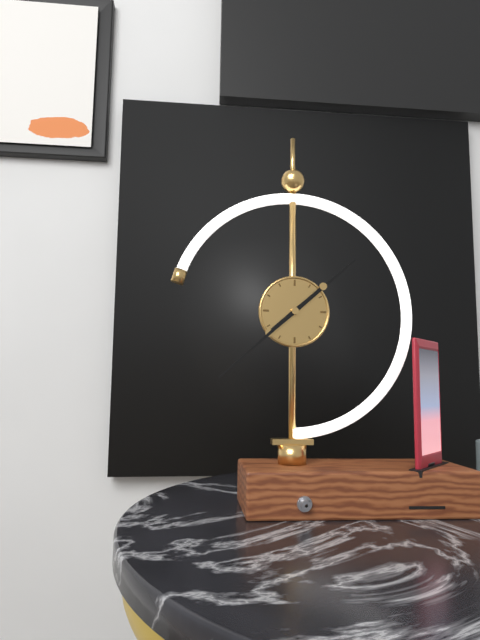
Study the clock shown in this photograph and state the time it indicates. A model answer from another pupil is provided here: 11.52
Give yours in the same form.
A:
1.38
